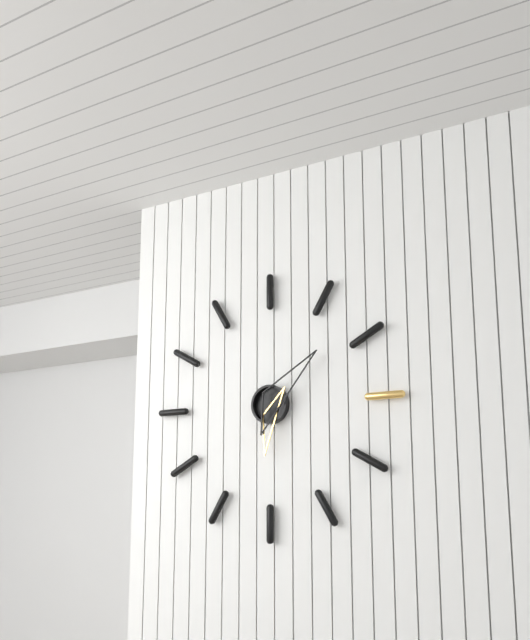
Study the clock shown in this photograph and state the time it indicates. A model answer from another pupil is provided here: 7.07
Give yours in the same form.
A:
6.08
